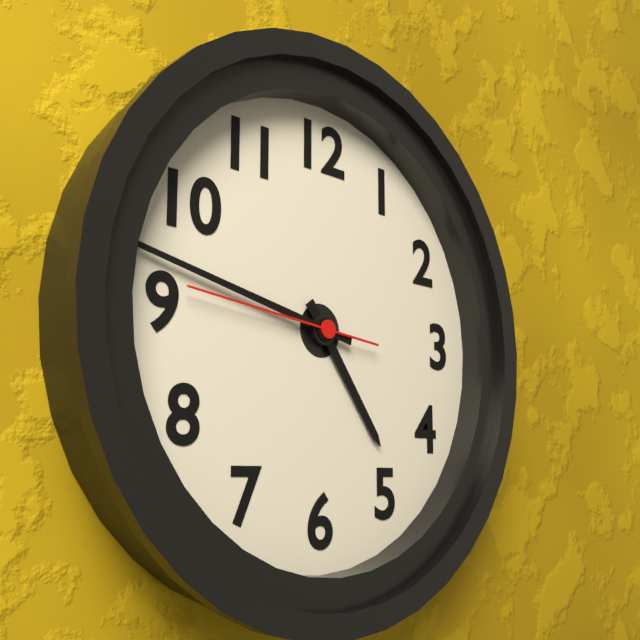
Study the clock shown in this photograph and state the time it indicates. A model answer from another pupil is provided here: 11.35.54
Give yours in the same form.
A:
4.47.46
